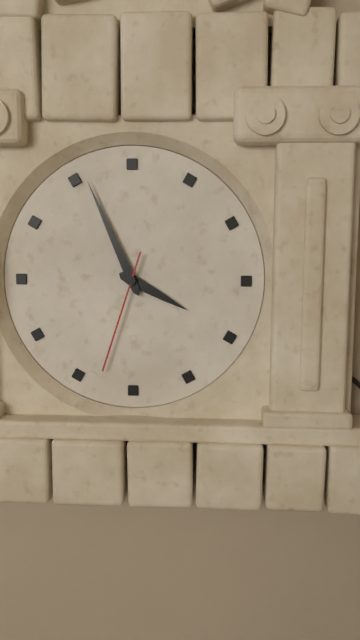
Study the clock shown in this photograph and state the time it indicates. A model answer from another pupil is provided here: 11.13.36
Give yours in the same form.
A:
3.56.33
